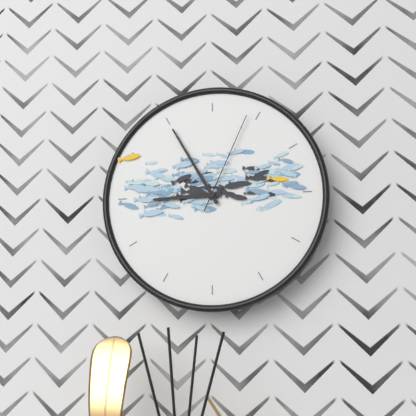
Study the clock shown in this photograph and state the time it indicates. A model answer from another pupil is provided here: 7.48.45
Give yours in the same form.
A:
8.55.04
